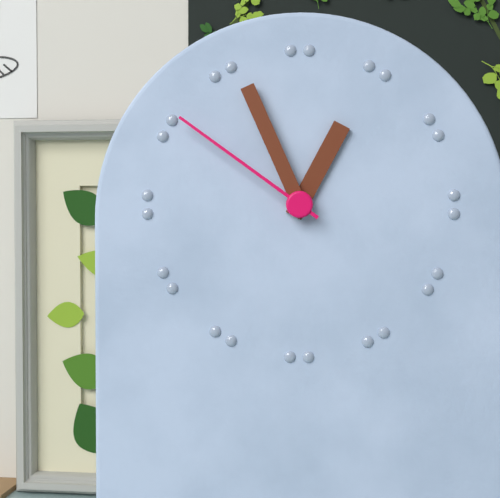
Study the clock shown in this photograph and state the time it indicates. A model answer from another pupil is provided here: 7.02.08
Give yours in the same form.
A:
12.56.51
